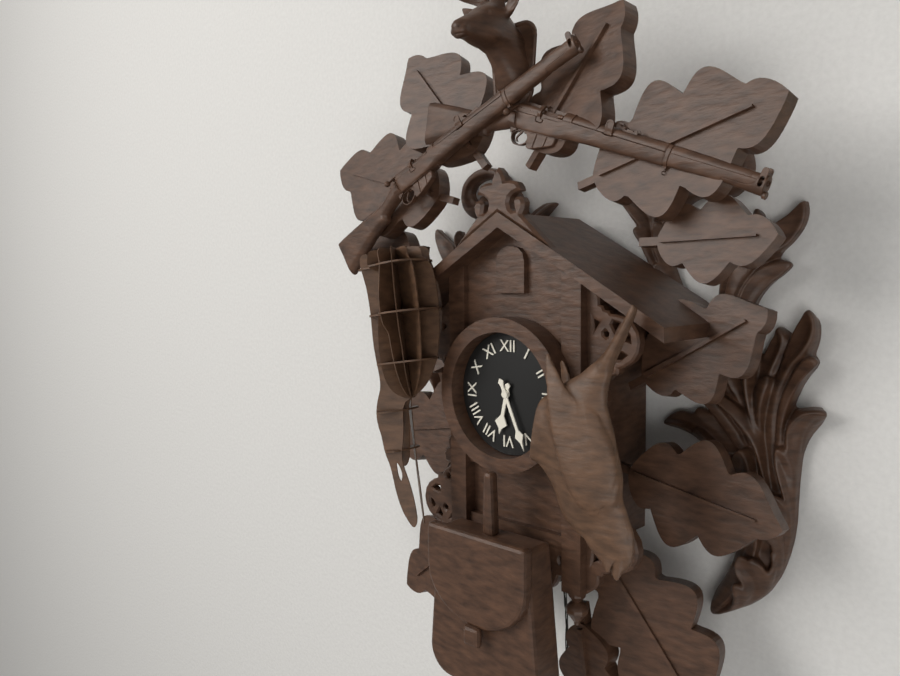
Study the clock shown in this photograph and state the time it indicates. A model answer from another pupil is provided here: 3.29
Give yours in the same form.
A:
6.26
